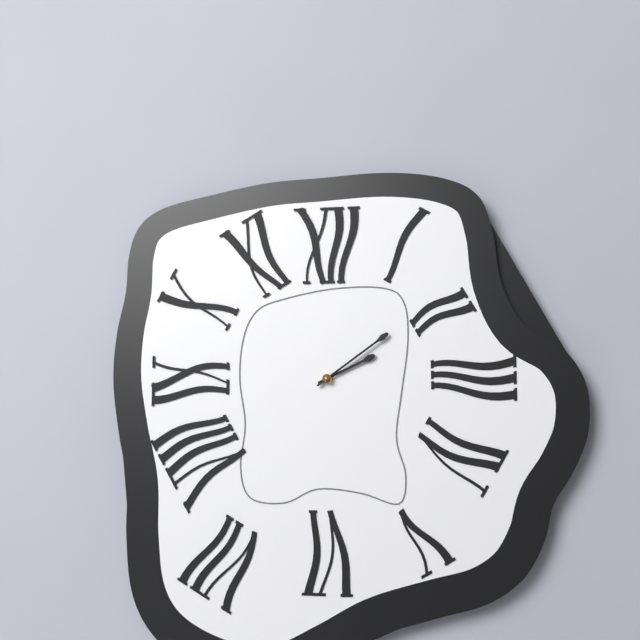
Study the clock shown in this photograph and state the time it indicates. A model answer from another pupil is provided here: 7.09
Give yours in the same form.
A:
2.09
